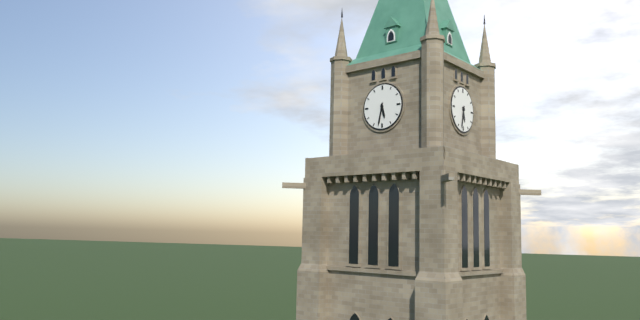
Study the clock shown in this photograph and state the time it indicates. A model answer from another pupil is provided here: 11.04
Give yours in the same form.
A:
5.32
